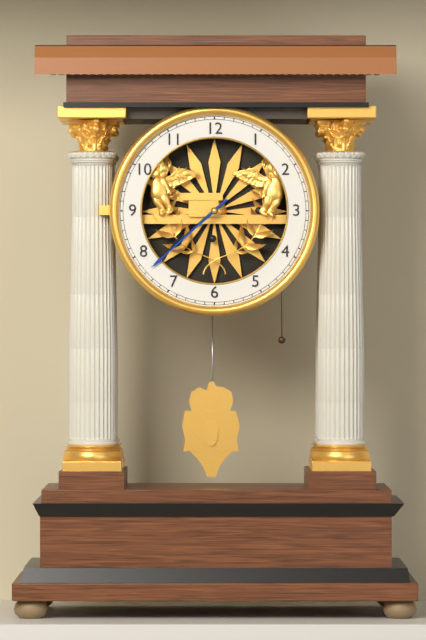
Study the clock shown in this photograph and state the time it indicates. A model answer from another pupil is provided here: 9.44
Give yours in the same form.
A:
7.38
